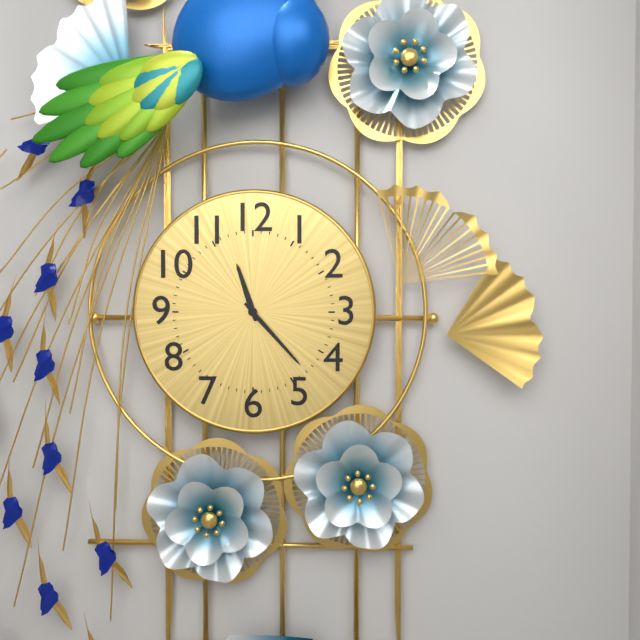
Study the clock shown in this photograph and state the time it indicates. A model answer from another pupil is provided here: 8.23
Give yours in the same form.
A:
11.23
